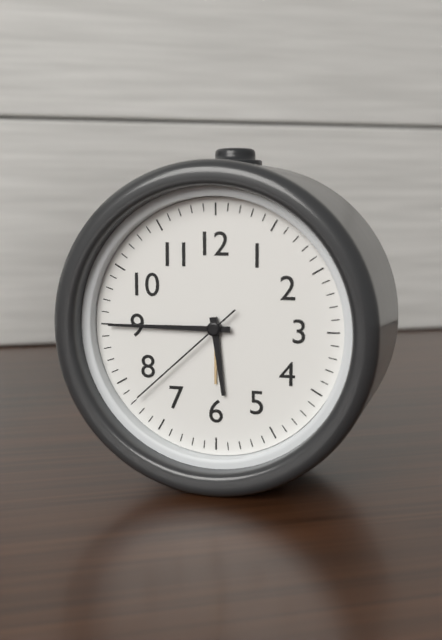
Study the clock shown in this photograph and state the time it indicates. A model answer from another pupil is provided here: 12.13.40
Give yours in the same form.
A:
5.45.38
